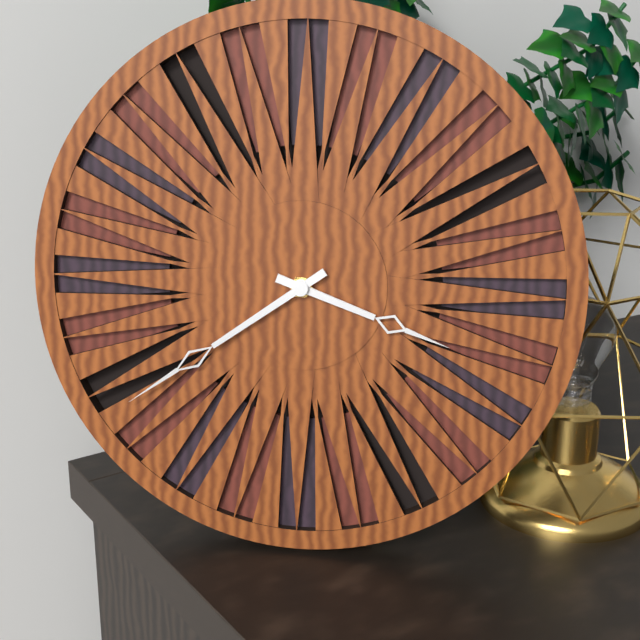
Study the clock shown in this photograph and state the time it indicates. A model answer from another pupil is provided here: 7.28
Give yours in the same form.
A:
3.39
